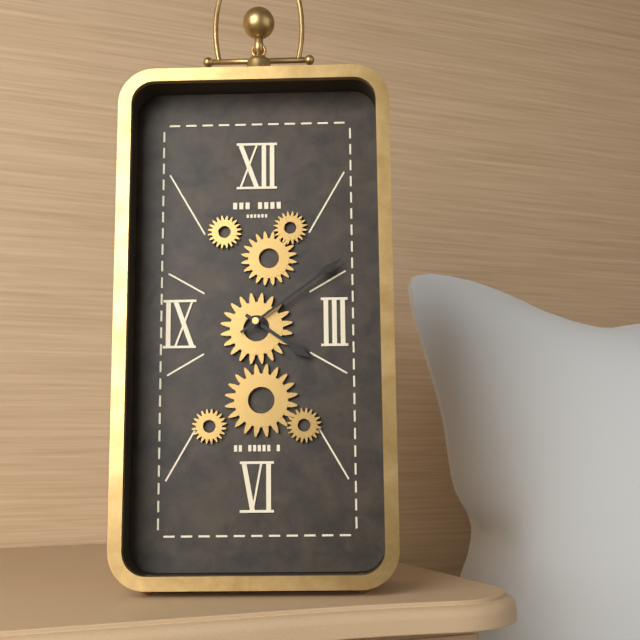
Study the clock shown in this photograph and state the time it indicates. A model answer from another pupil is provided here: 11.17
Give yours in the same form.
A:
4.09
